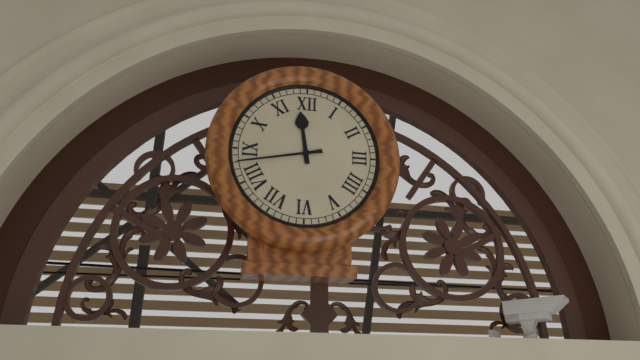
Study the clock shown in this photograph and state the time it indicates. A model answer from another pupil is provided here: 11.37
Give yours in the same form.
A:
11.43
